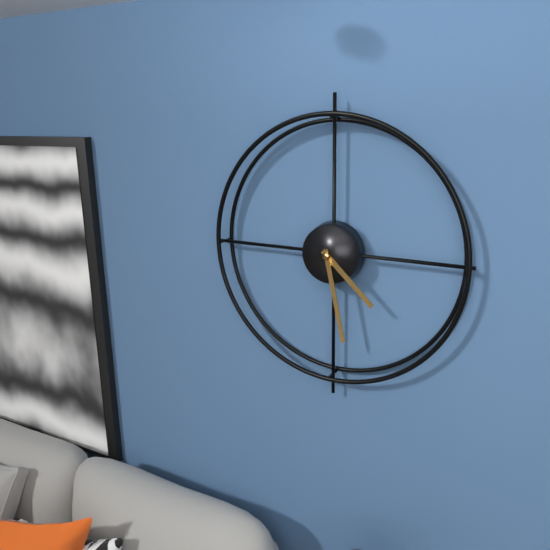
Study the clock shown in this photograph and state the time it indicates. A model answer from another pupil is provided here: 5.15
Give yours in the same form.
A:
4.28
